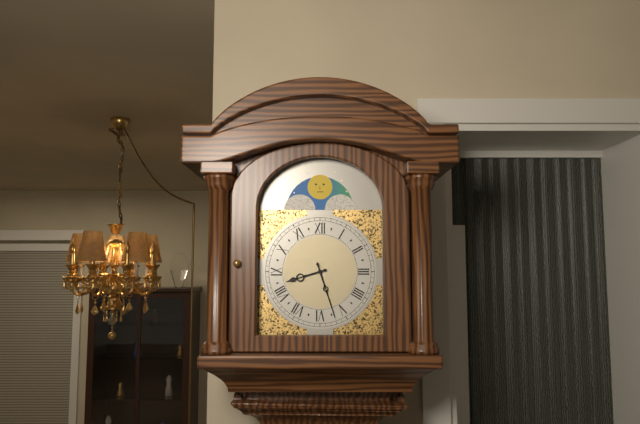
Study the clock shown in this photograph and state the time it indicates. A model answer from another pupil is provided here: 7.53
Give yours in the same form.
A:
8.27
